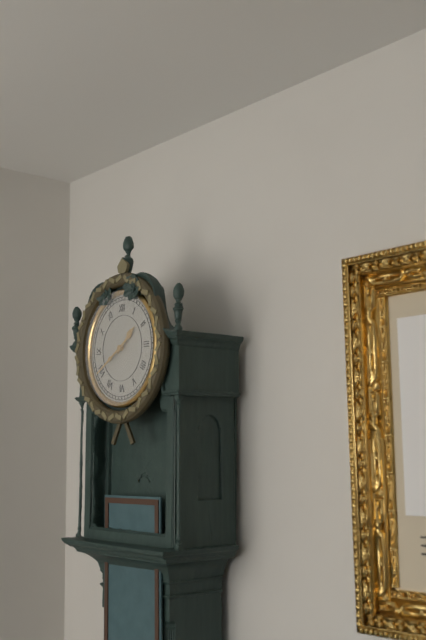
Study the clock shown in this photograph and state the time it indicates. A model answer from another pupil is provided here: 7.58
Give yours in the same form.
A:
1.40
